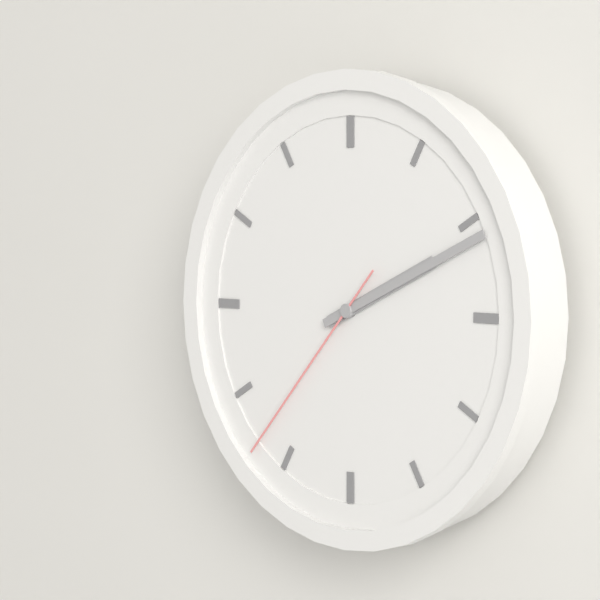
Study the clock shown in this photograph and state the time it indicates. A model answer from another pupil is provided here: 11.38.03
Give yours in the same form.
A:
2.11.37
